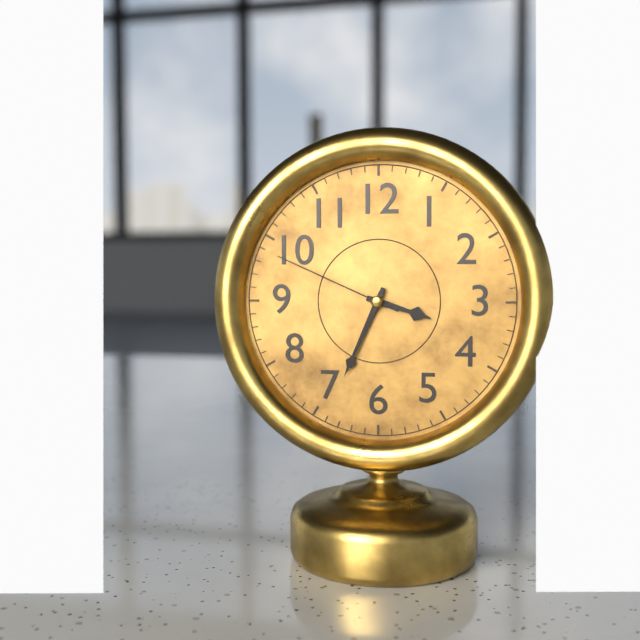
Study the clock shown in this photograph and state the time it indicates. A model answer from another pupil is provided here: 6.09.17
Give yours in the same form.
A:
3.34.49
